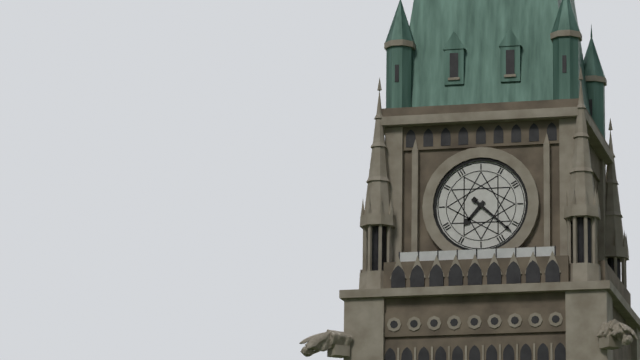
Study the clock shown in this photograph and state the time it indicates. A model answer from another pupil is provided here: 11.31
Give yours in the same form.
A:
7.22
